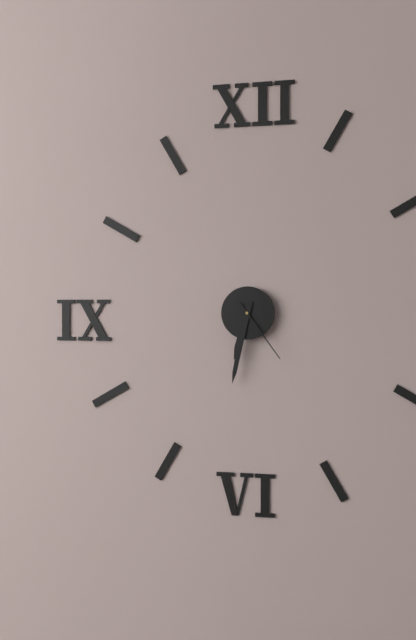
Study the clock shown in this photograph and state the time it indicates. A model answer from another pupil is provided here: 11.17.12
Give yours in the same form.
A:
6.32.24
